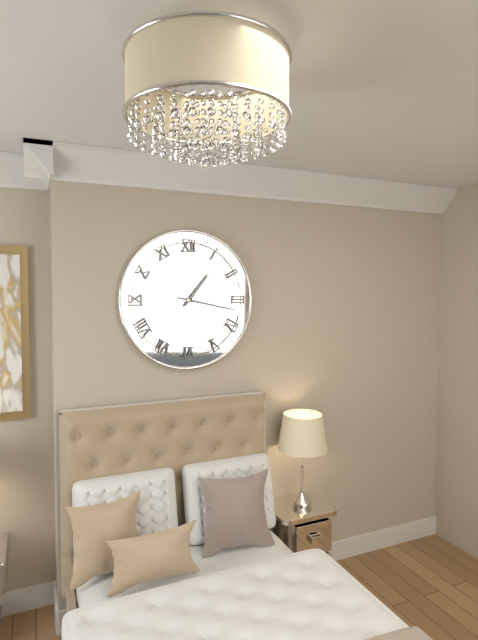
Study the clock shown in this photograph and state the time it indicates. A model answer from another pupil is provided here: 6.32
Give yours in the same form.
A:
1.17
